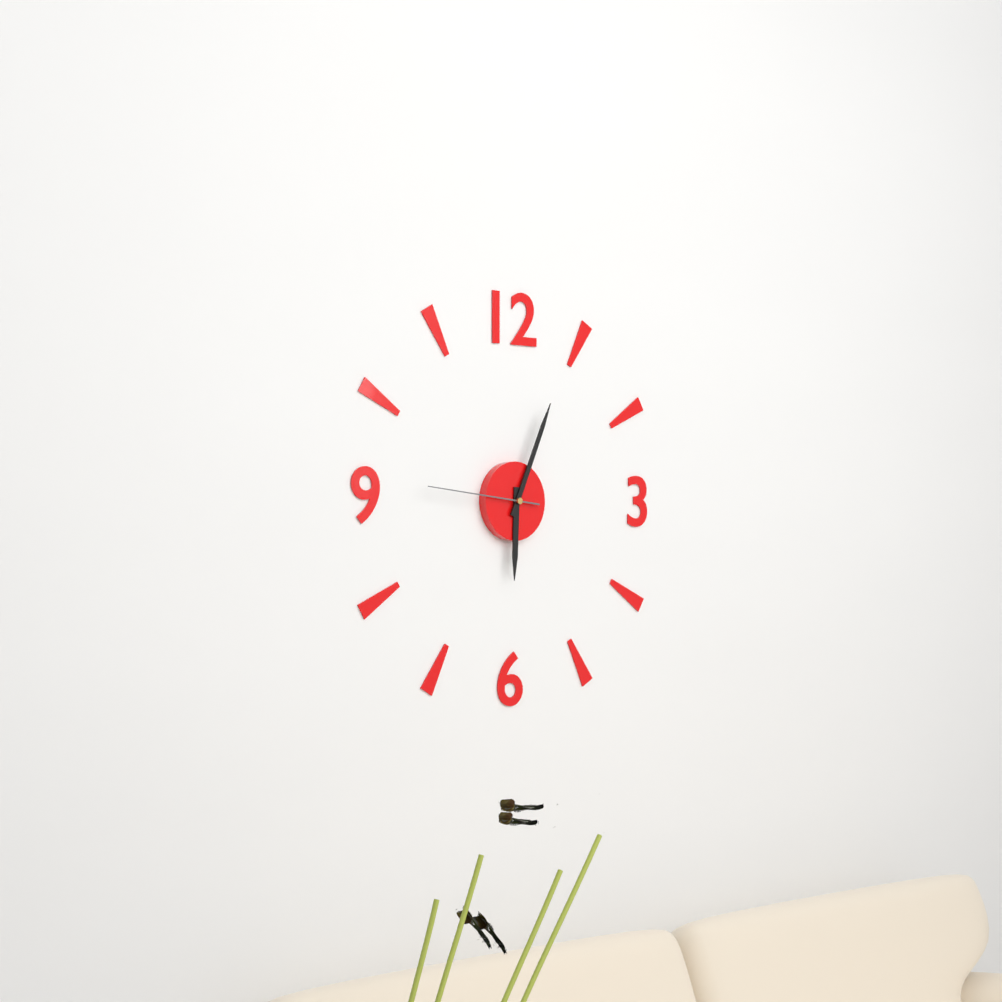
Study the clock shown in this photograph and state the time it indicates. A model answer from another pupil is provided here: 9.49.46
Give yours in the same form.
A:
6.04.46
